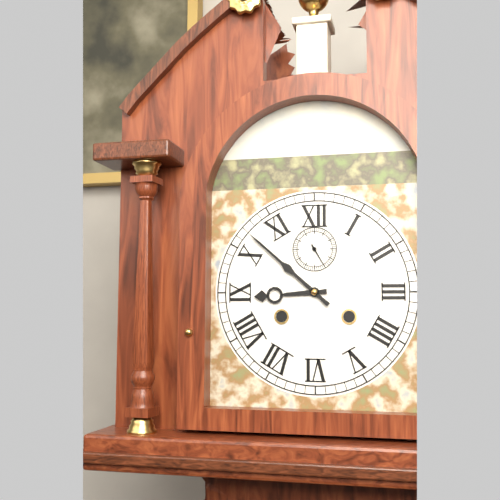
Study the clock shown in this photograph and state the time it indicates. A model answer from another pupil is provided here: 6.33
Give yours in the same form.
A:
8.52
